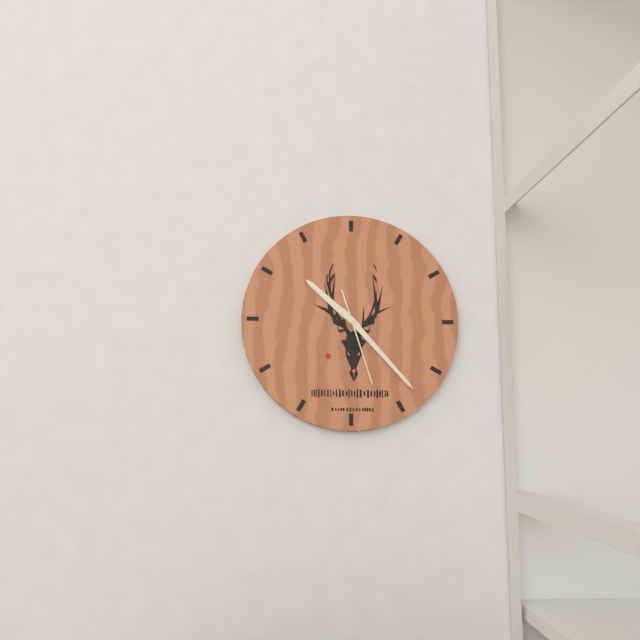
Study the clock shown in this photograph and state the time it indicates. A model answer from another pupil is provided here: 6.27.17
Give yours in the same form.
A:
10.23.27
